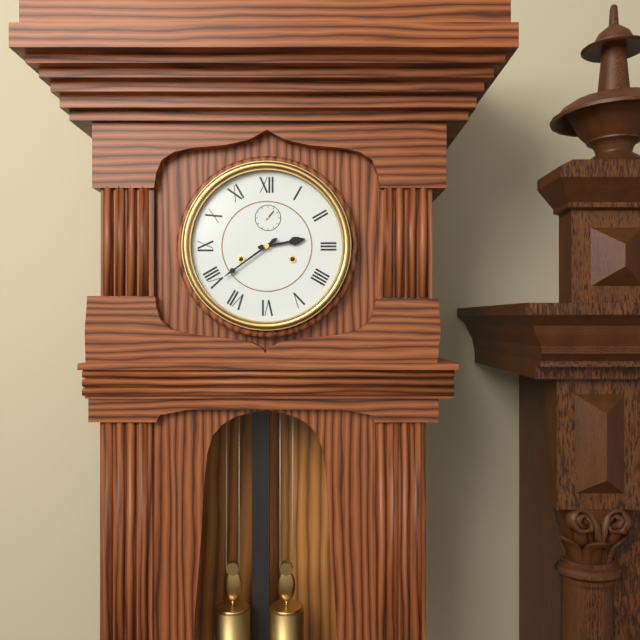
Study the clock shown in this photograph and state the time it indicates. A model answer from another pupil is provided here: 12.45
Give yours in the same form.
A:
2.39
